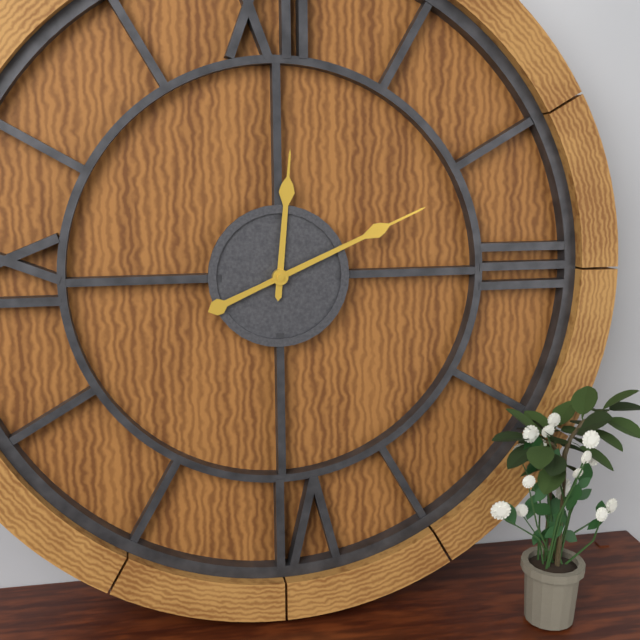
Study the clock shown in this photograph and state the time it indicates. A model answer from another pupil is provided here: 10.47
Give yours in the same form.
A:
12.11
